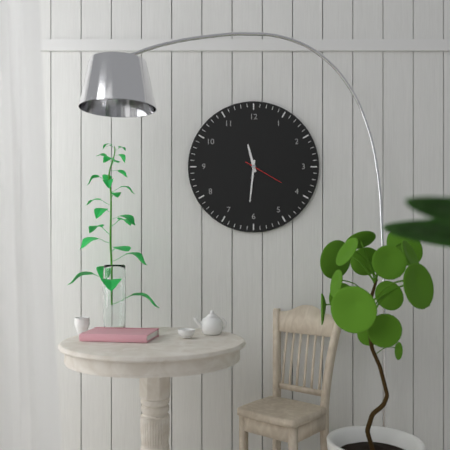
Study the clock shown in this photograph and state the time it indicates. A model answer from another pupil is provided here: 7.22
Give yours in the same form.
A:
11.31
